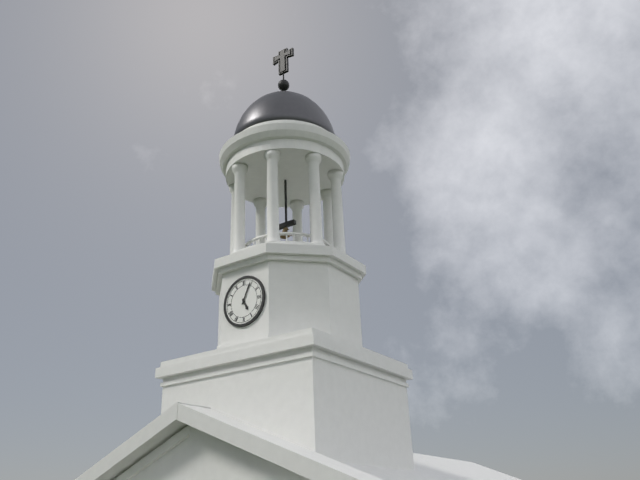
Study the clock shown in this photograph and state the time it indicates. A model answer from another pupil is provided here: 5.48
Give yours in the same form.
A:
5.04
